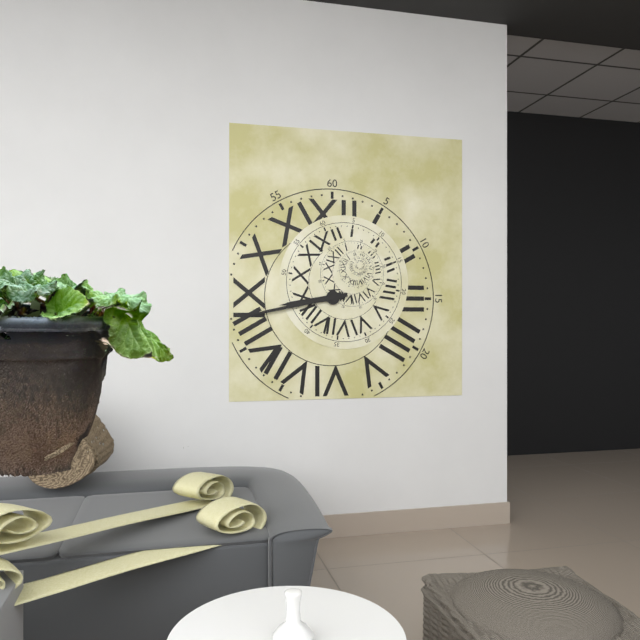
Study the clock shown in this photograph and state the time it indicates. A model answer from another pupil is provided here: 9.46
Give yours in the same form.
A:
8.43
